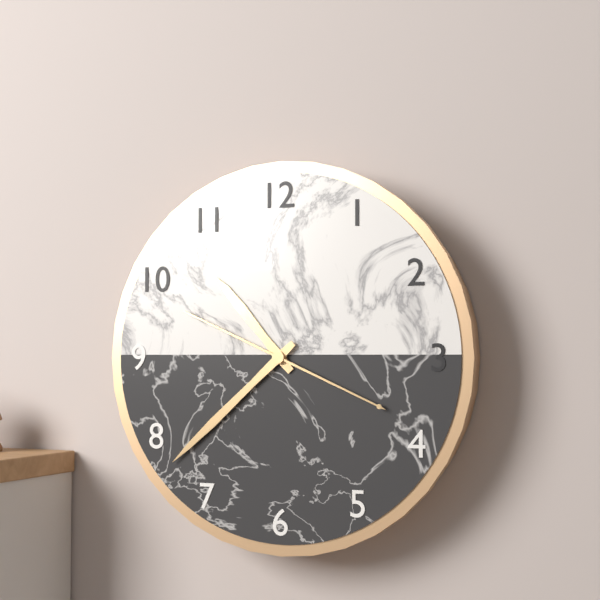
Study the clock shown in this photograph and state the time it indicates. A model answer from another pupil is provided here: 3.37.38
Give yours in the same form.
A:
10.38.19
